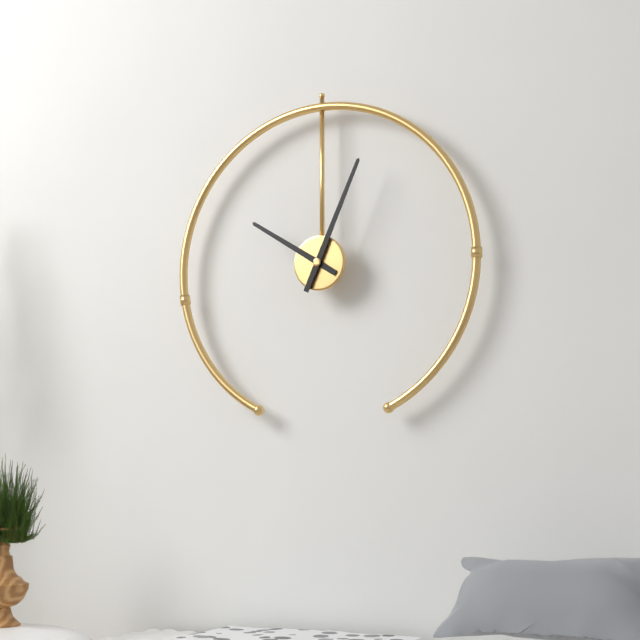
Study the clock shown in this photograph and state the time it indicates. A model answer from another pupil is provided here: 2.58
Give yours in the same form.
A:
10.04
